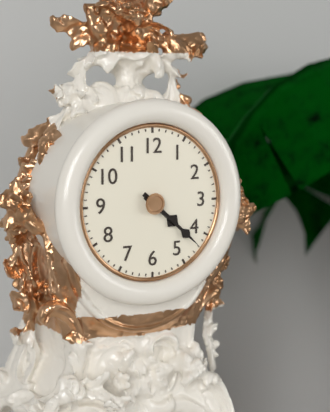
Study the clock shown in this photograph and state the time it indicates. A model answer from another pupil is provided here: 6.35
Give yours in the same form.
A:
4.22
